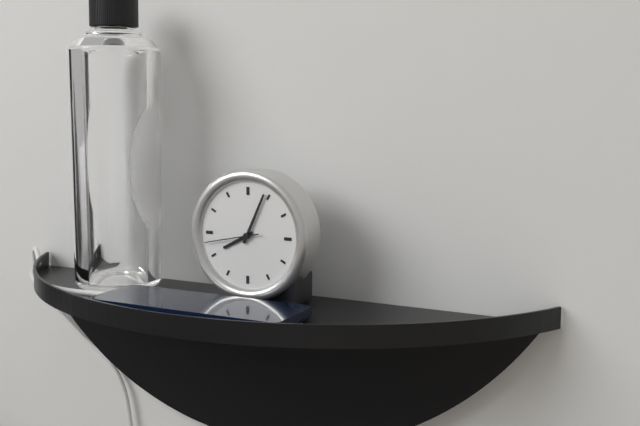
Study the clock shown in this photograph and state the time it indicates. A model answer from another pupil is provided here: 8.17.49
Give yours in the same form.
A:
8.04.43
